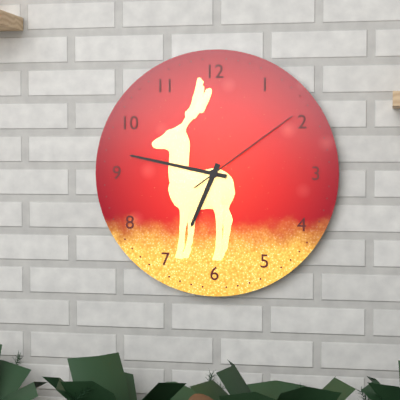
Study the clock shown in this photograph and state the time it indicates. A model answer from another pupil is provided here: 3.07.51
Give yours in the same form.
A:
6.47.09
